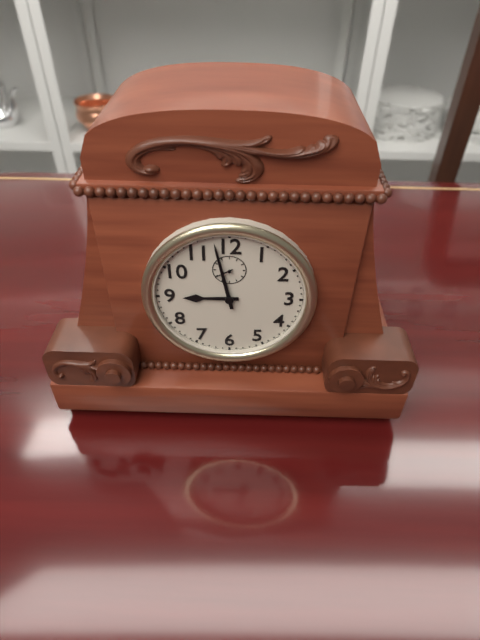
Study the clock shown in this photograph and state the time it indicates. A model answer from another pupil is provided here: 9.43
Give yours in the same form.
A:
8.58
